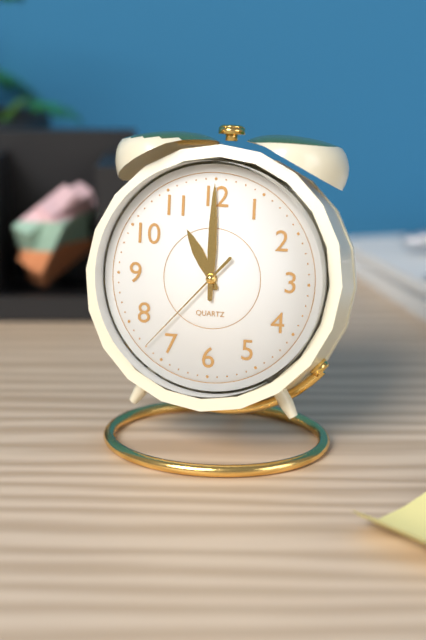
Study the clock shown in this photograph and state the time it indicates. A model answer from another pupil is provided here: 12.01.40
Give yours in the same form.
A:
11.00.37
